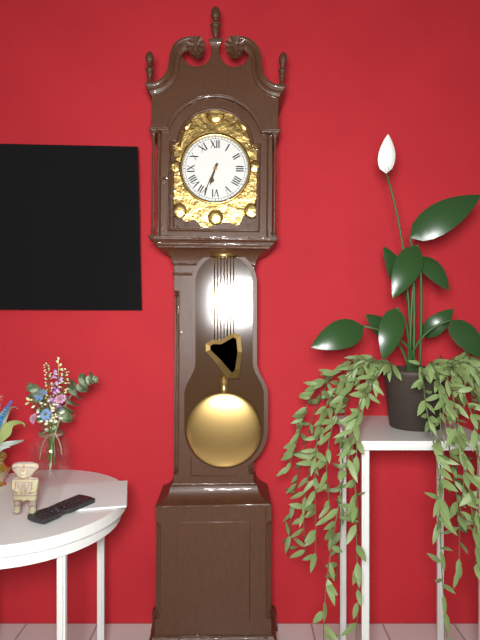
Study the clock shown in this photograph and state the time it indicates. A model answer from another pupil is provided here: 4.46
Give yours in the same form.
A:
6.34
